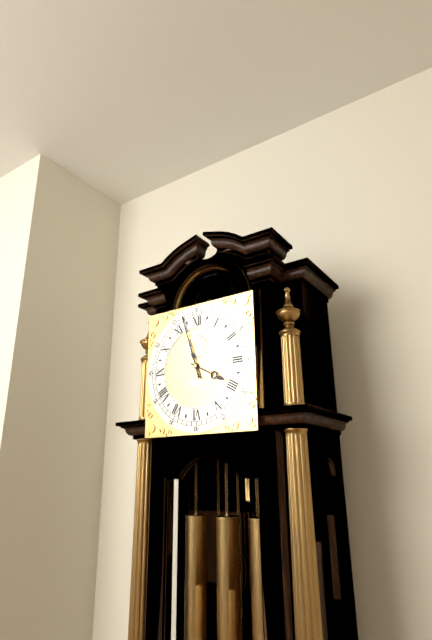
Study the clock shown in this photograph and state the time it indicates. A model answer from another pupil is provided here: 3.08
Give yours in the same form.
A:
3.57
